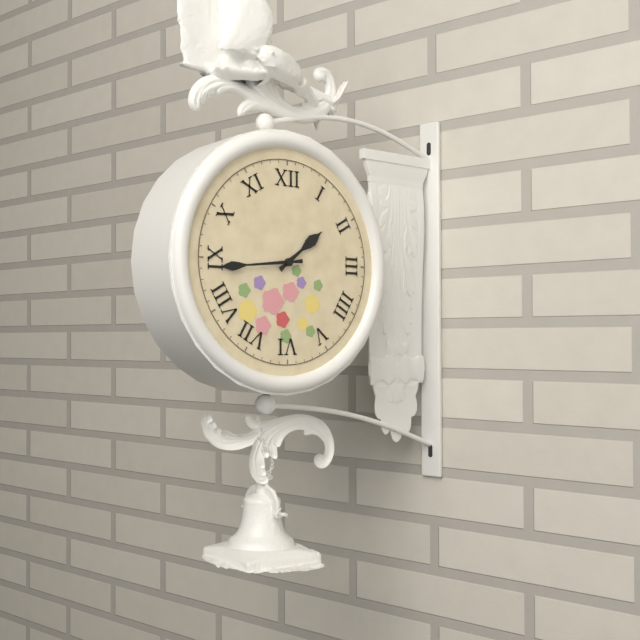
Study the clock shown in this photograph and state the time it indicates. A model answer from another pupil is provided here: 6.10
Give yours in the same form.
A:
1.44
